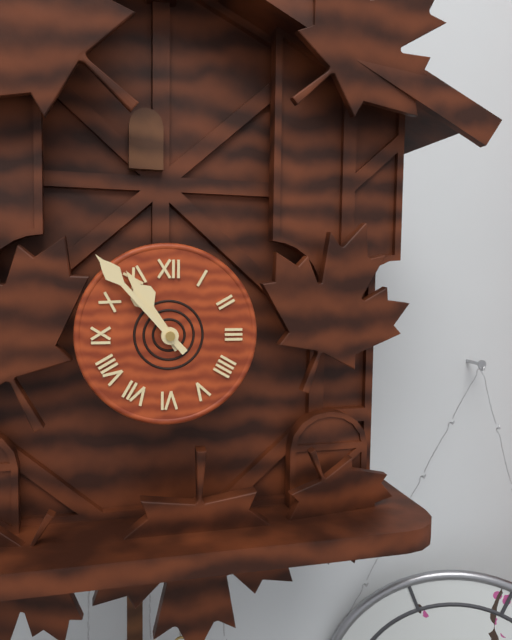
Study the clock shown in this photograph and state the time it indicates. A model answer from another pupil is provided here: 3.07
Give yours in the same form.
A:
10.53
